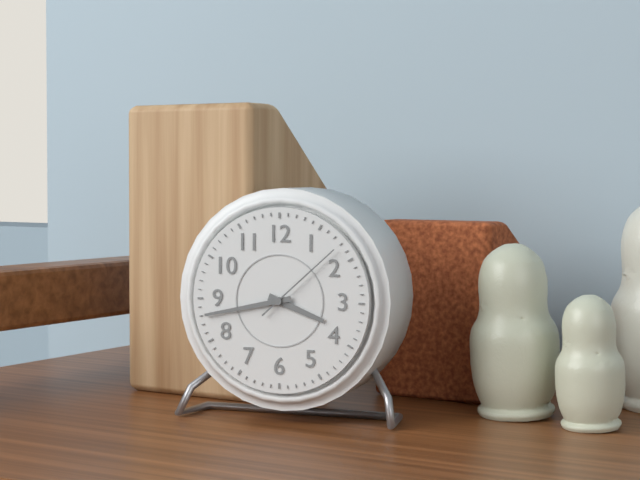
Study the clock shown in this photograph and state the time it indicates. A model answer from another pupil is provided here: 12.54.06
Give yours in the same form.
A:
3.43.08
